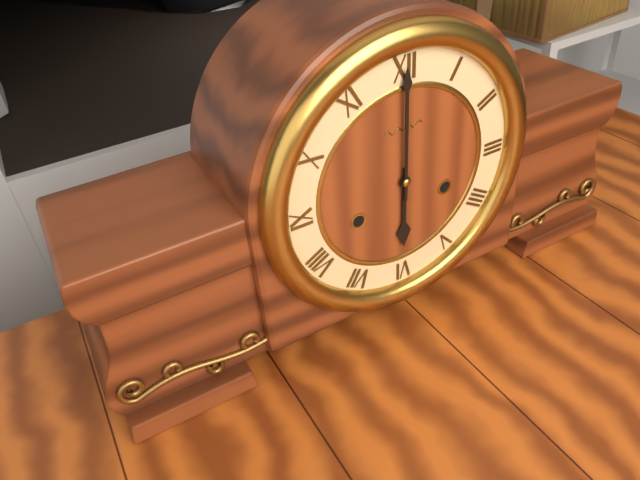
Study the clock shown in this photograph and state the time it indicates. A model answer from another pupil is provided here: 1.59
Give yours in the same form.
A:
6.00
